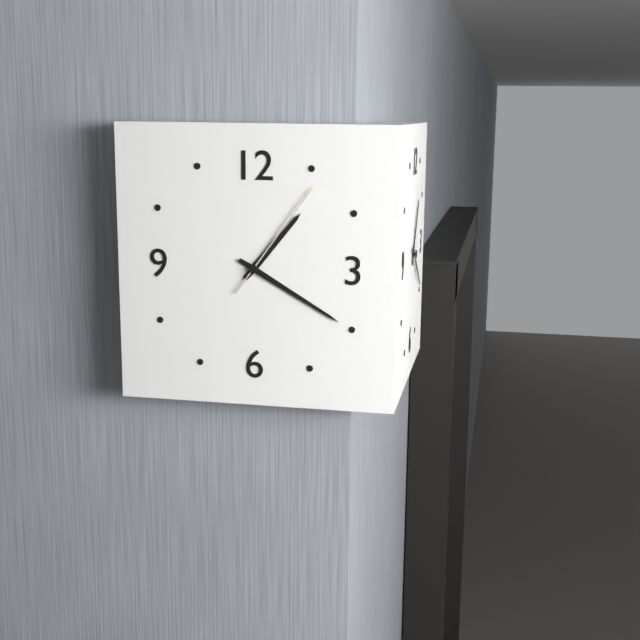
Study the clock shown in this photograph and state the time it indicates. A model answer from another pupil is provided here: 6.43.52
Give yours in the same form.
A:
1.20.06
